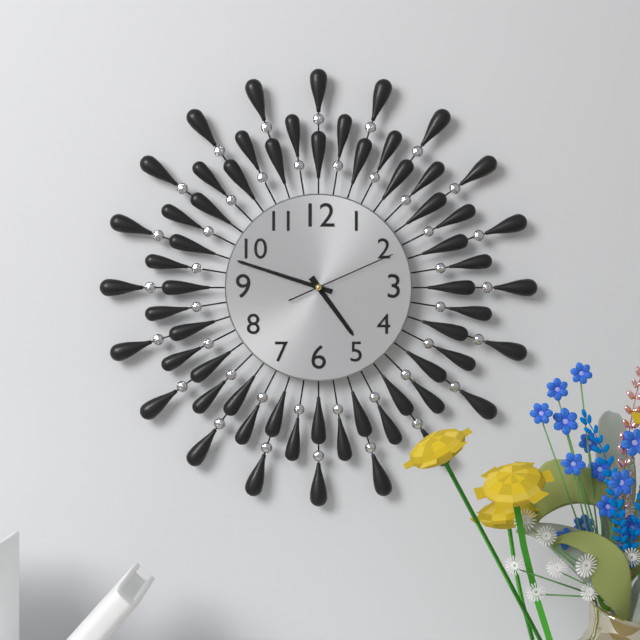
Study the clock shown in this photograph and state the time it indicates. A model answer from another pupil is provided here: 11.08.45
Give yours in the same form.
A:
4.48.11
